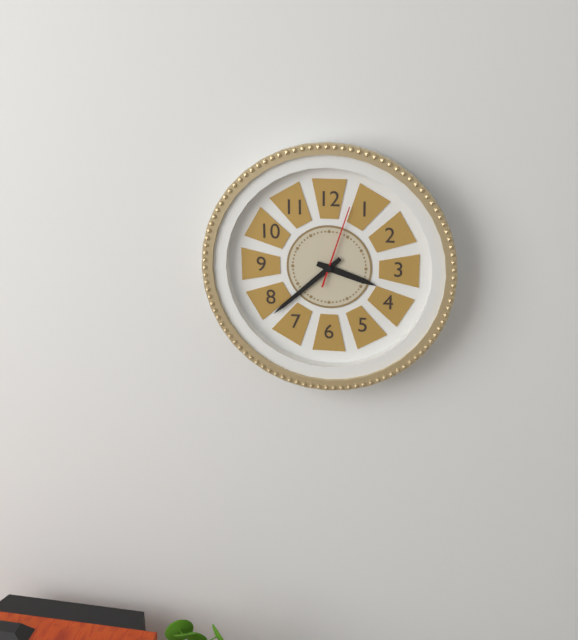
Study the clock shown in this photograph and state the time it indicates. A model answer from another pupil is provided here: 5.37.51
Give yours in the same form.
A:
3.38.03
